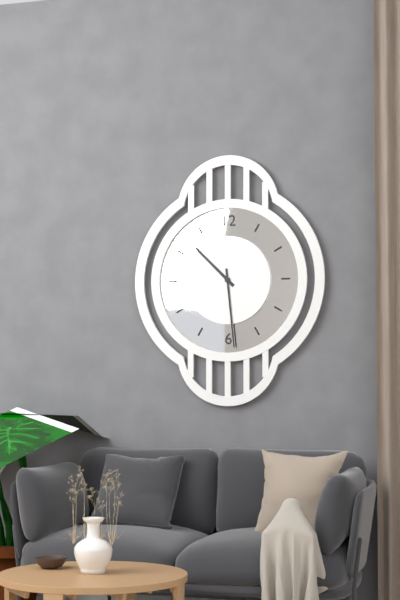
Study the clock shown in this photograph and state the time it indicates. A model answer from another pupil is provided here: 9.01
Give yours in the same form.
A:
10.29
